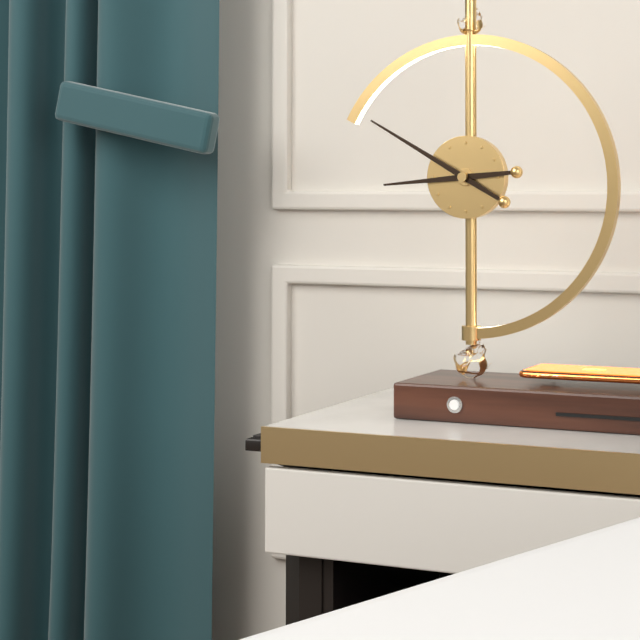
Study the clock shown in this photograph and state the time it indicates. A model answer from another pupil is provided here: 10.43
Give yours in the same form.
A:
8.50
